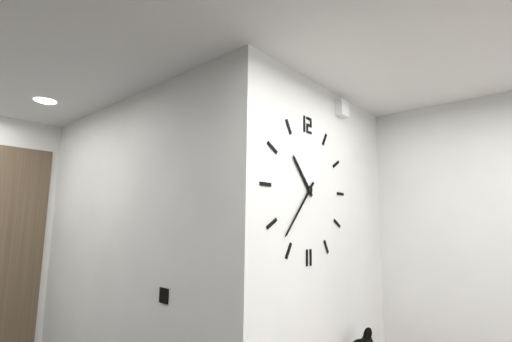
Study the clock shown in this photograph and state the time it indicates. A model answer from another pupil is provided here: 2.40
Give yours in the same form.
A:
10.37
